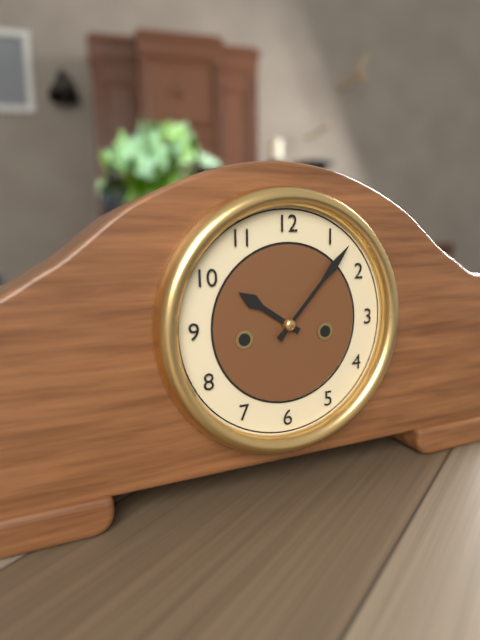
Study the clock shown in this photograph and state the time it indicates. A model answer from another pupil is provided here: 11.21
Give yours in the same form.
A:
10.07
